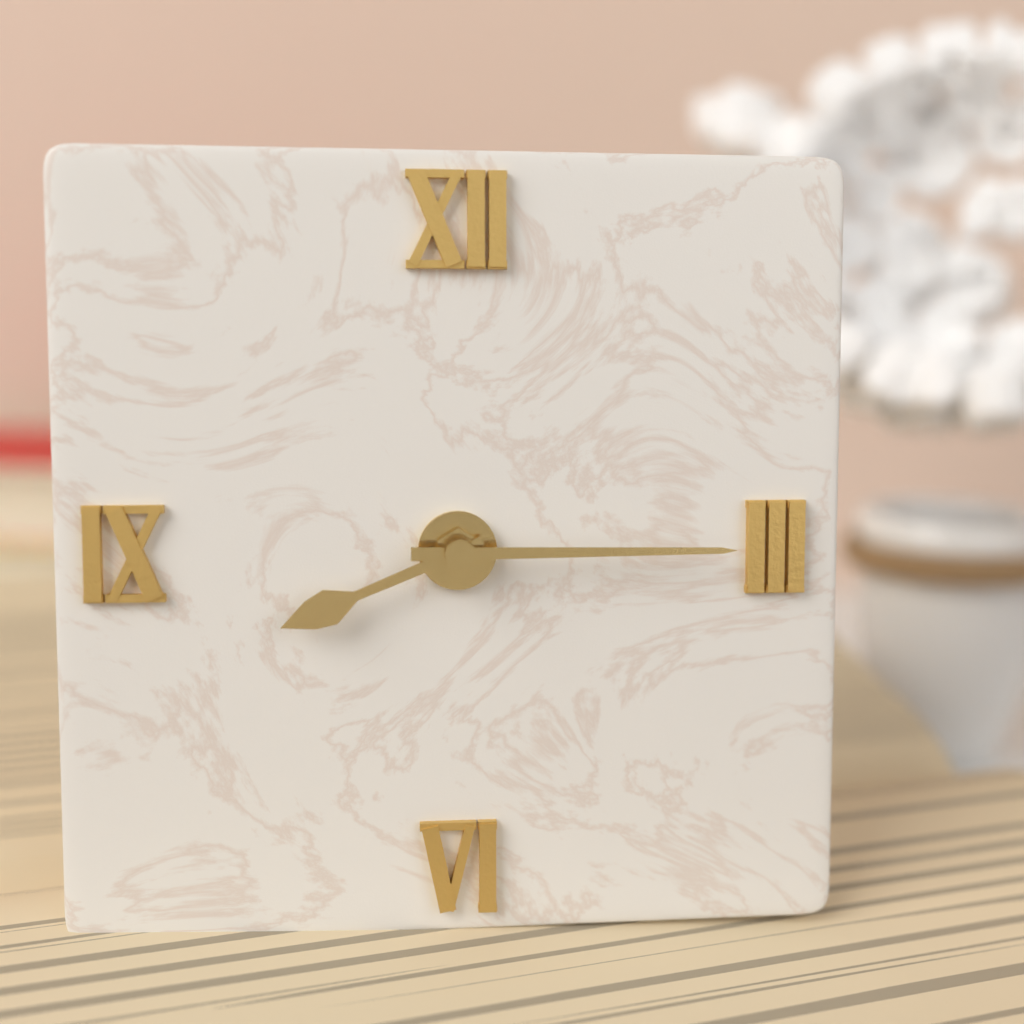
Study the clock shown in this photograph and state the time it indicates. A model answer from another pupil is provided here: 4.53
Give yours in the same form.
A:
8.15
